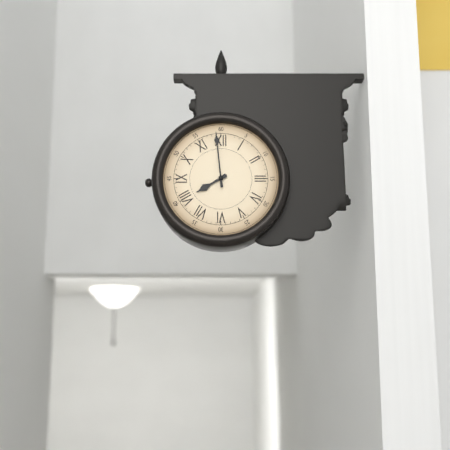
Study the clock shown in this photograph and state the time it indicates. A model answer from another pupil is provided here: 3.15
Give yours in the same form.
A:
7.59
